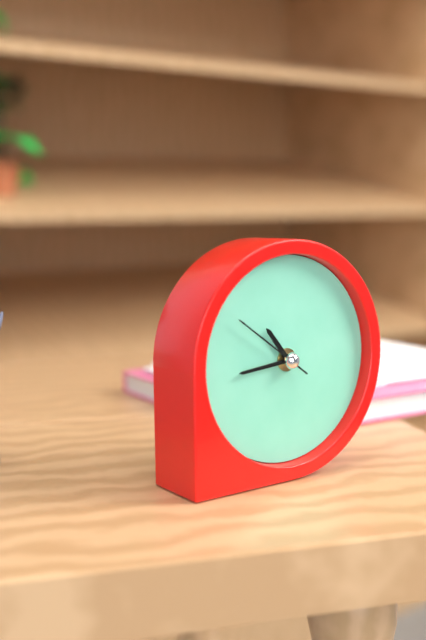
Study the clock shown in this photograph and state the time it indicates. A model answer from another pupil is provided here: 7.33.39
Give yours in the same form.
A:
10.44.51
